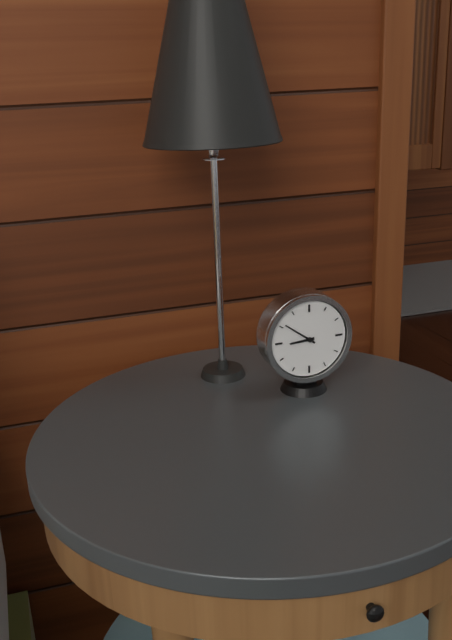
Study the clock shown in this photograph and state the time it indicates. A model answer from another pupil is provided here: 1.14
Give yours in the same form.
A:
8.51
